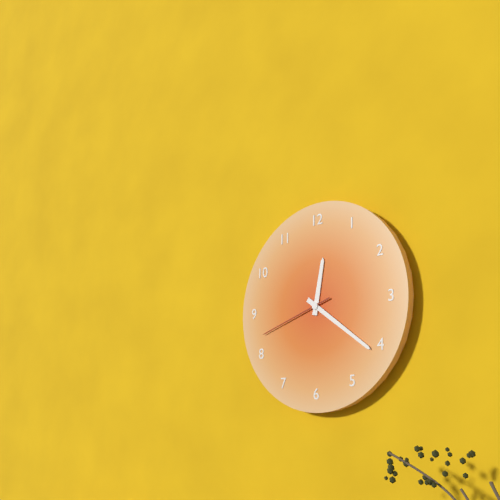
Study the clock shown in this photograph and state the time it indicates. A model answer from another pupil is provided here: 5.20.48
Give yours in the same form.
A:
12.21.42
